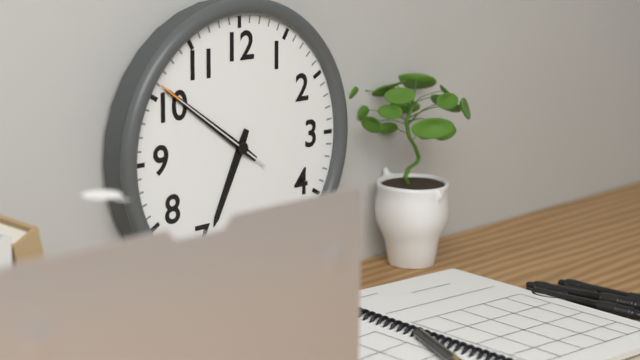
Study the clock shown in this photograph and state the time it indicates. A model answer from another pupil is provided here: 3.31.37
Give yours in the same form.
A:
6.51.51
